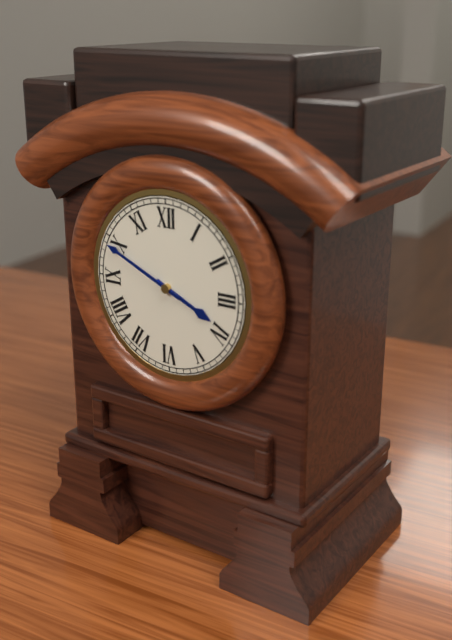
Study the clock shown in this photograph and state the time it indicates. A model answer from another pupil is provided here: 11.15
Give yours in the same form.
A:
3.49
